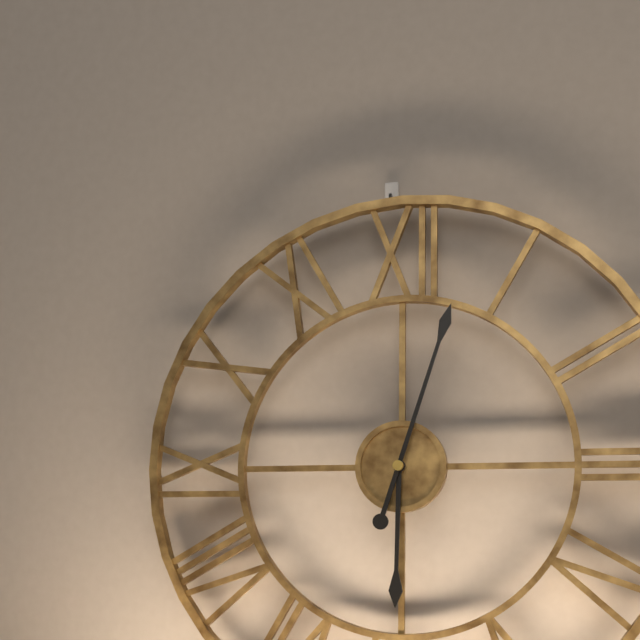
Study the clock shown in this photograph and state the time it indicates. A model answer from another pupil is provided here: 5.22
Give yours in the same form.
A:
6.03
